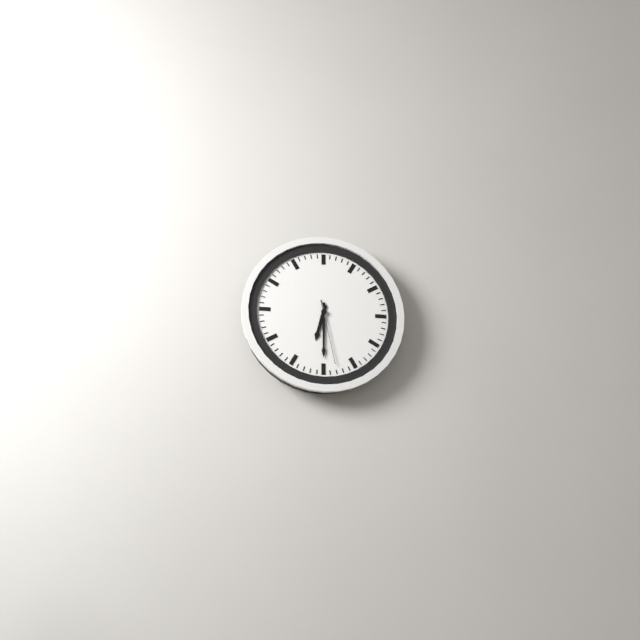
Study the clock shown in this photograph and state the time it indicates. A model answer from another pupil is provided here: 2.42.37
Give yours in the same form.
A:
6.30.28
